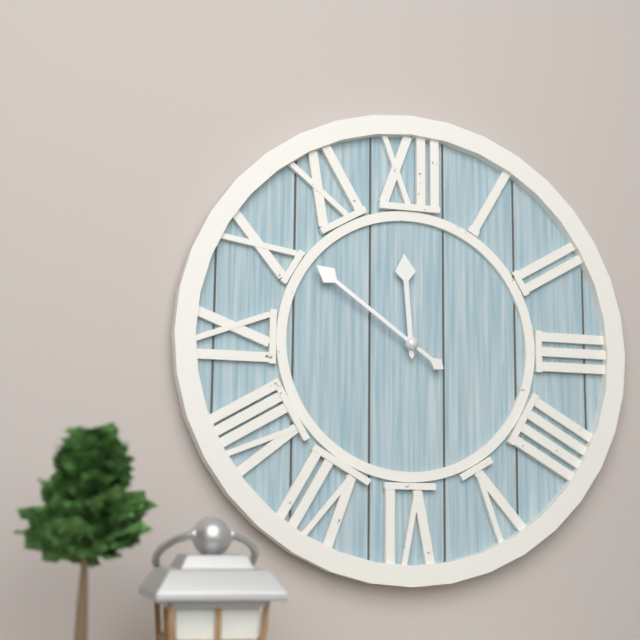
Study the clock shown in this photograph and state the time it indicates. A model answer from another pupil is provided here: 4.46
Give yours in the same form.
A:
11.51
